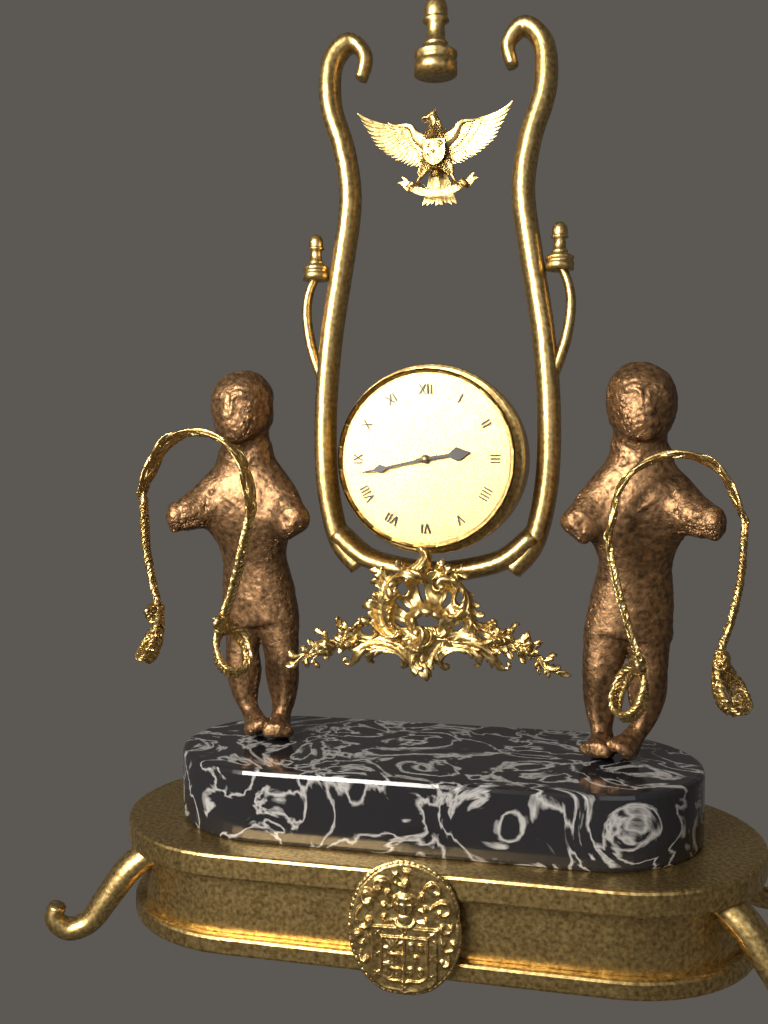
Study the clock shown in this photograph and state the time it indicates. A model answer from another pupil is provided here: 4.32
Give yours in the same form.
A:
2.43
